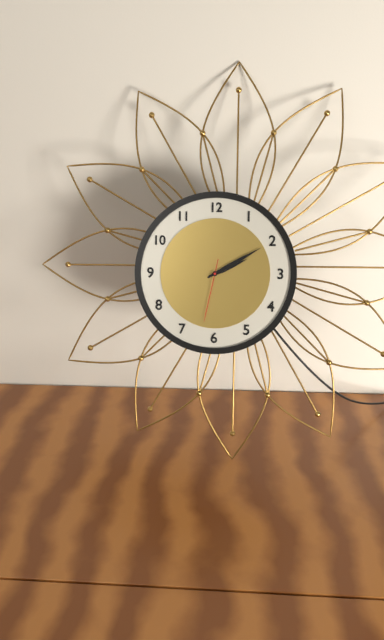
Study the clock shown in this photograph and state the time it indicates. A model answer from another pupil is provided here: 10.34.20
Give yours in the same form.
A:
2.10.32
